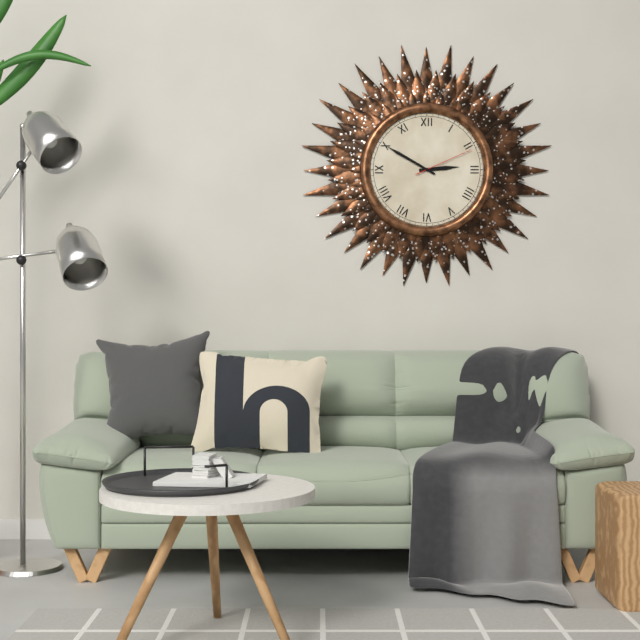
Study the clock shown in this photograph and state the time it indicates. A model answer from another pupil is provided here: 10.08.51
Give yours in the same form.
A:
2.50.11
